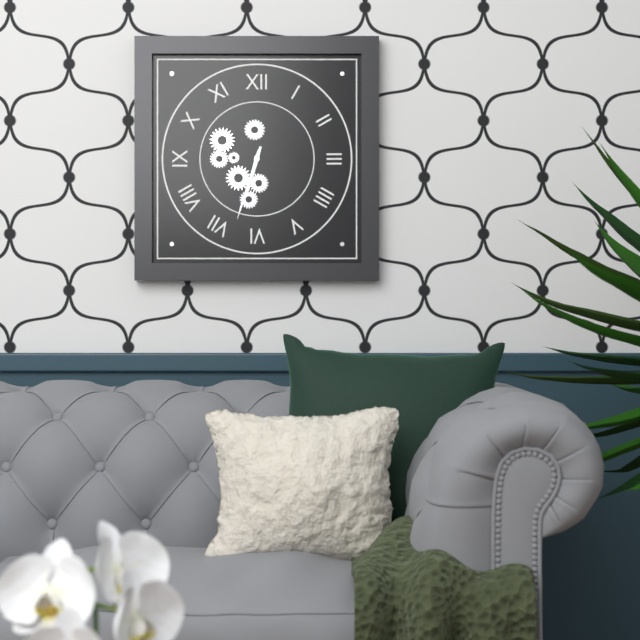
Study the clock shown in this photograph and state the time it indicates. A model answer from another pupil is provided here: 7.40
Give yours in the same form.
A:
6.33
